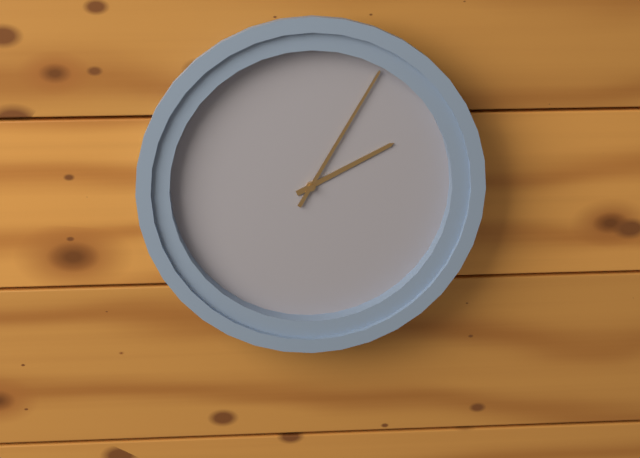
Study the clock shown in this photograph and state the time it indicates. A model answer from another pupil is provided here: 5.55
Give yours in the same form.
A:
2.05
